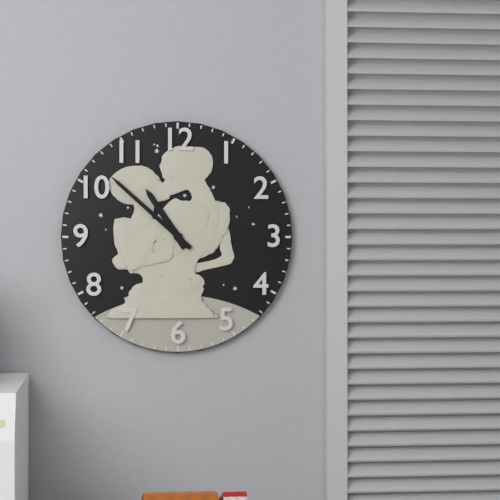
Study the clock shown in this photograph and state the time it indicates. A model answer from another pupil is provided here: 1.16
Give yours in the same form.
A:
10.52
